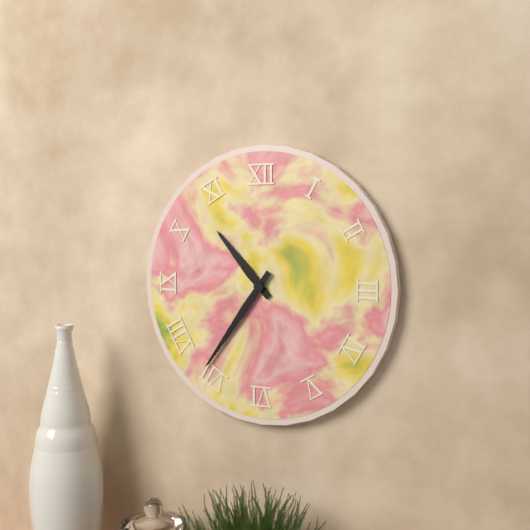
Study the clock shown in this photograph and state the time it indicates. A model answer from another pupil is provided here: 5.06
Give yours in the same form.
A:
10.36
